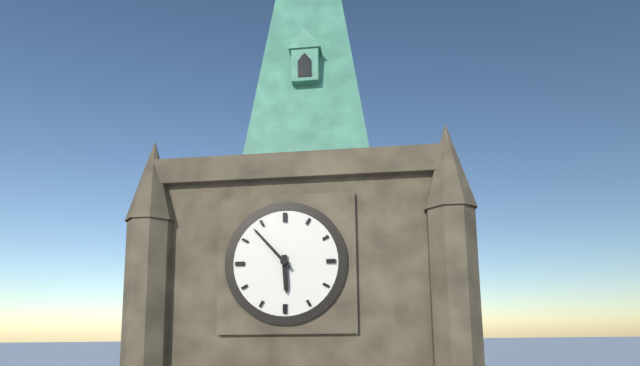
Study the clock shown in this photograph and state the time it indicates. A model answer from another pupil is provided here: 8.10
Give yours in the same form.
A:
5.53
